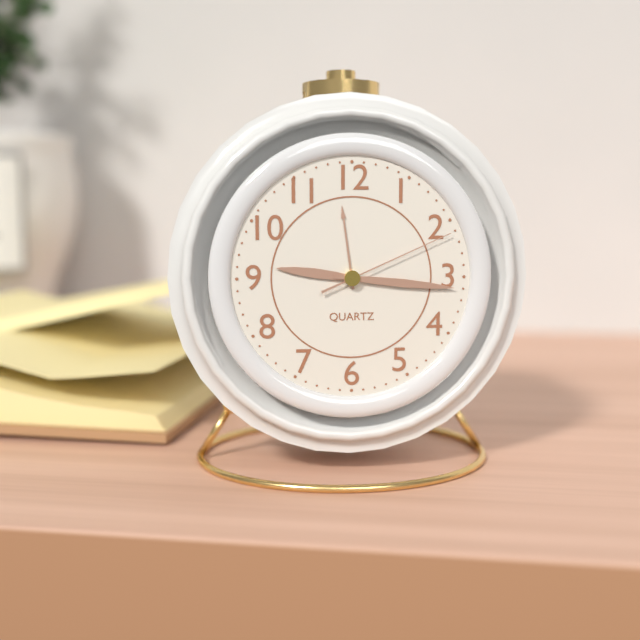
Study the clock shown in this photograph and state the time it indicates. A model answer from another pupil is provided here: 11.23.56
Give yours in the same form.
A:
9.16.11
